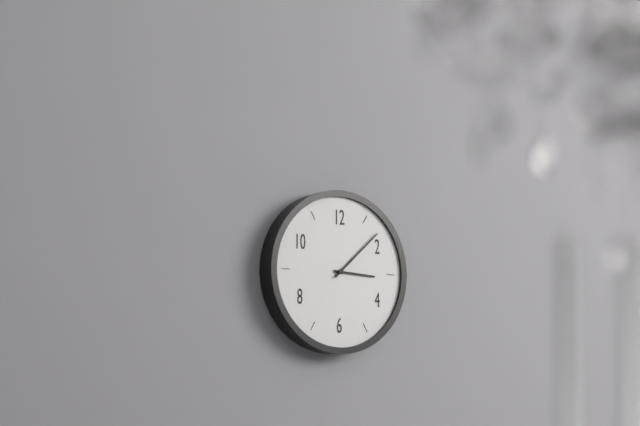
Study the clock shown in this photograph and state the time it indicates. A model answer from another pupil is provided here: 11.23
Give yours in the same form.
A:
3.08
